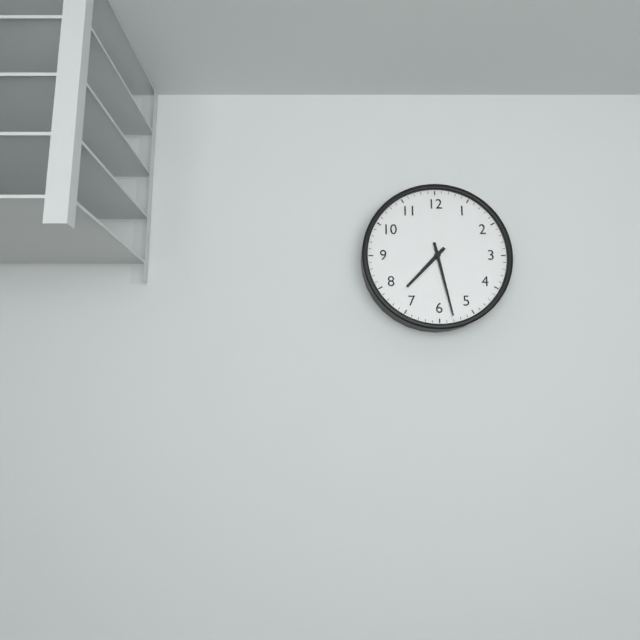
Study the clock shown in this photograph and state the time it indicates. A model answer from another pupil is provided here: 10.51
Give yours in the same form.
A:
7.28
